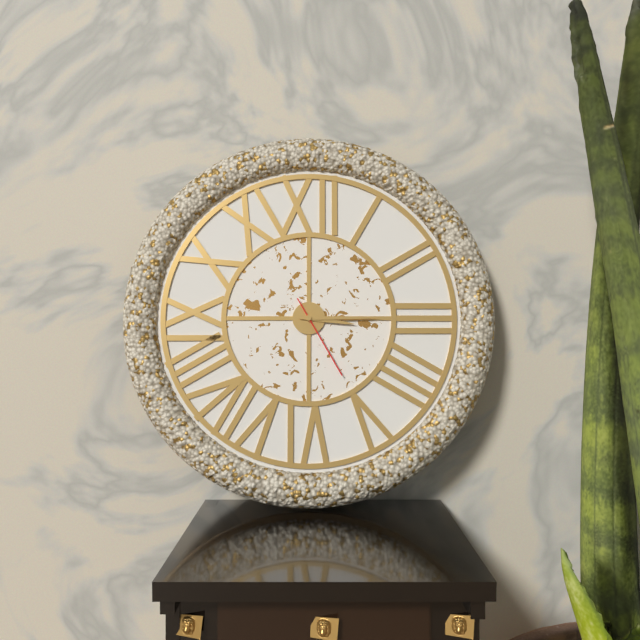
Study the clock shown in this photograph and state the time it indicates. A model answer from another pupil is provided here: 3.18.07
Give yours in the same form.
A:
3.15.25
